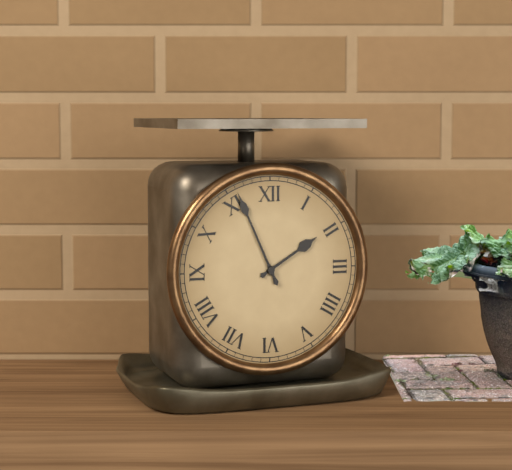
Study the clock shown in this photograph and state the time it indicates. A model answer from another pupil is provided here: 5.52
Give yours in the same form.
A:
1.56
